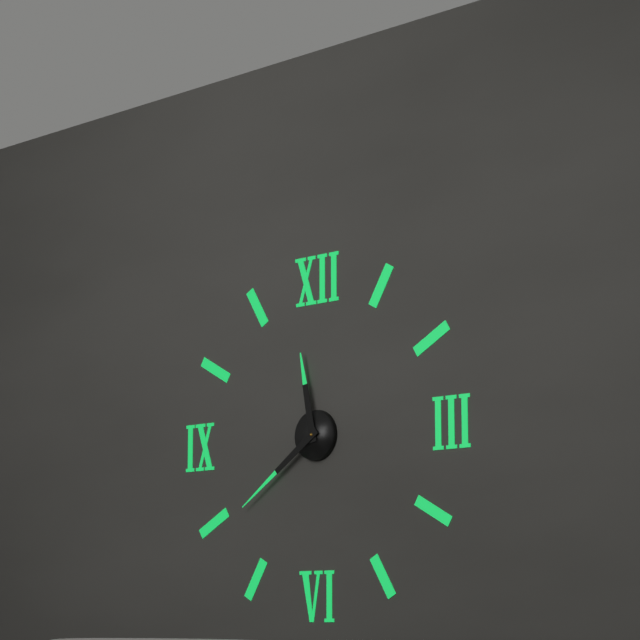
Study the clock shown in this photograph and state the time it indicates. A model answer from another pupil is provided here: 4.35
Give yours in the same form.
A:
11.39
